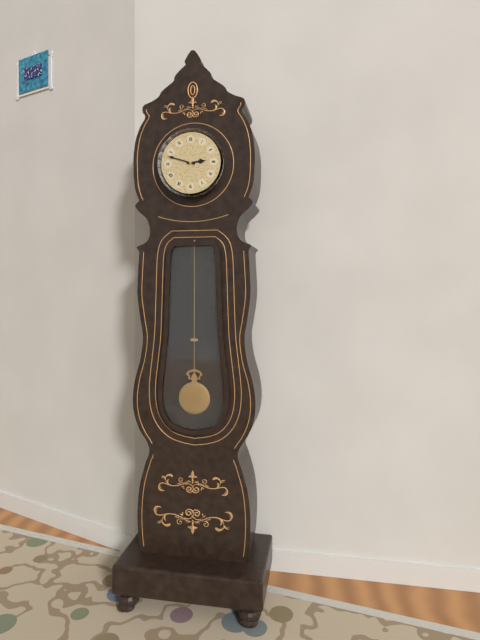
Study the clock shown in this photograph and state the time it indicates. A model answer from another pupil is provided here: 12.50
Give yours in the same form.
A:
2.48
